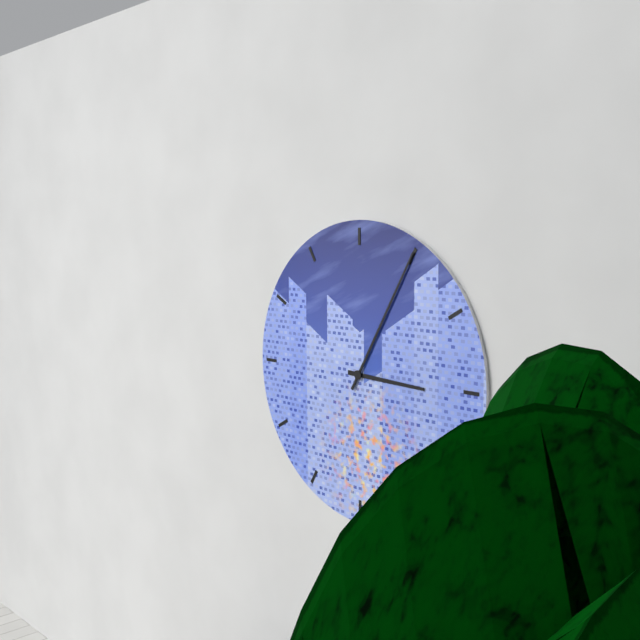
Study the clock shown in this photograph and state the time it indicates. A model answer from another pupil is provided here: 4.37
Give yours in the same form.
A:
3.05
